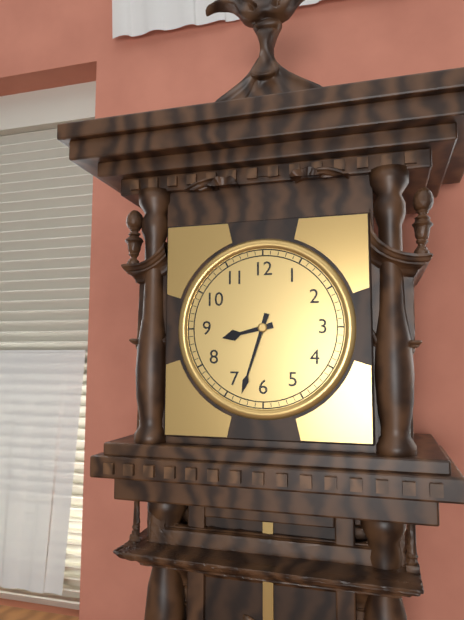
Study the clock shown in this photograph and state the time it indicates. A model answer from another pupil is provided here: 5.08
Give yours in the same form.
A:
8.33
